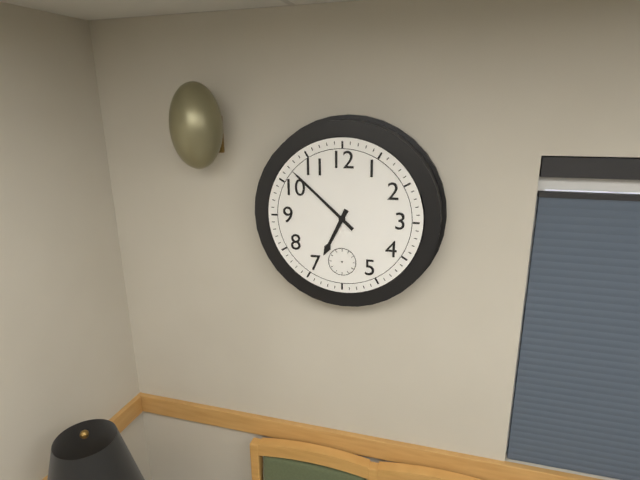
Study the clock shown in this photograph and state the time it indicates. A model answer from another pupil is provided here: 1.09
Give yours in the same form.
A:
6.52
